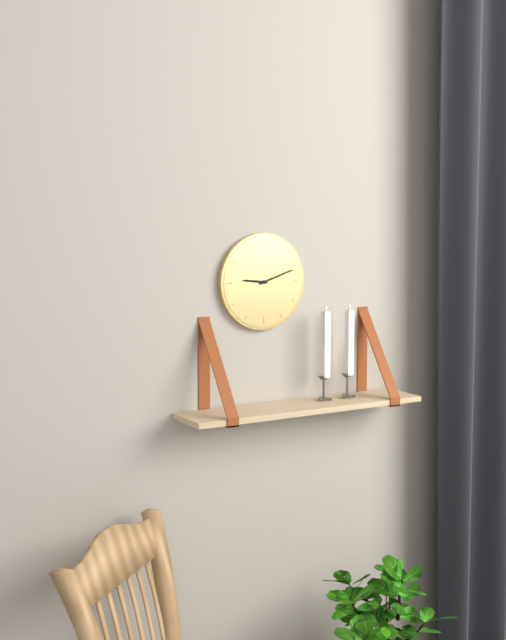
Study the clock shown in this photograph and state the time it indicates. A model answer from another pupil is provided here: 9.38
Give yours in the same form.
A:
9.12
